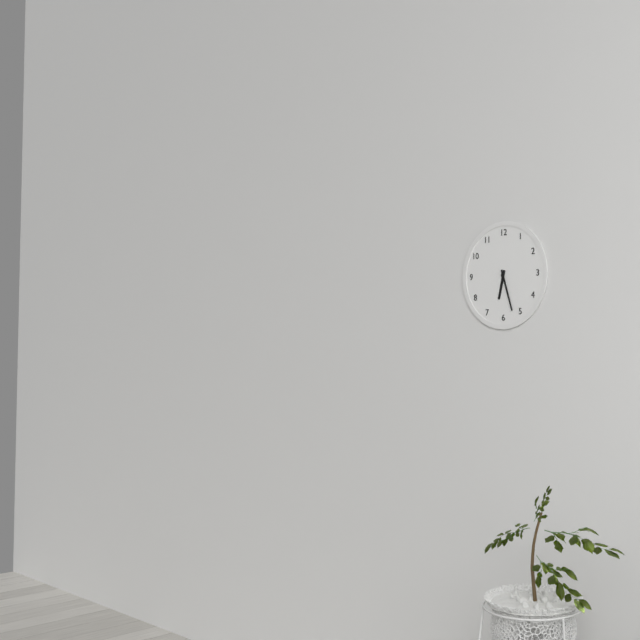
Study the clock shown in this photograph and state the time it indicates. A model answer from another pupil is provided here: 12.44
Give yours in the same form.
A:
6.27
